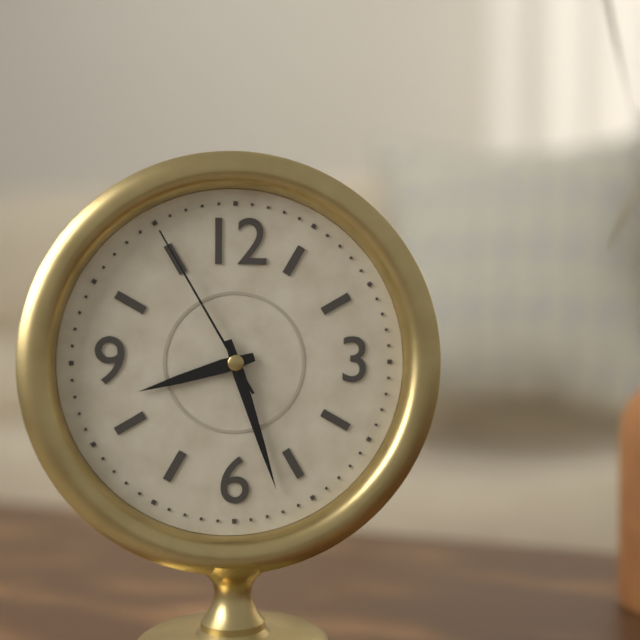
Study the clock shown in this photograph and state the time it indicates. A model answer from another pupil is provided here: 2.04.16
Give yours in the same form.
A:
8.27.55
